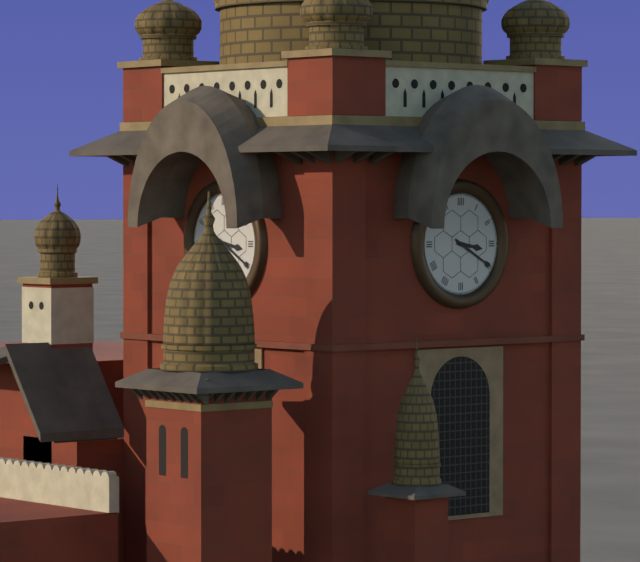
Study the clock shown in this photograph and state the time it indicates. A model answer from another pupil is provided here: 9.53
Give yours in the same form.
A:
3.20
